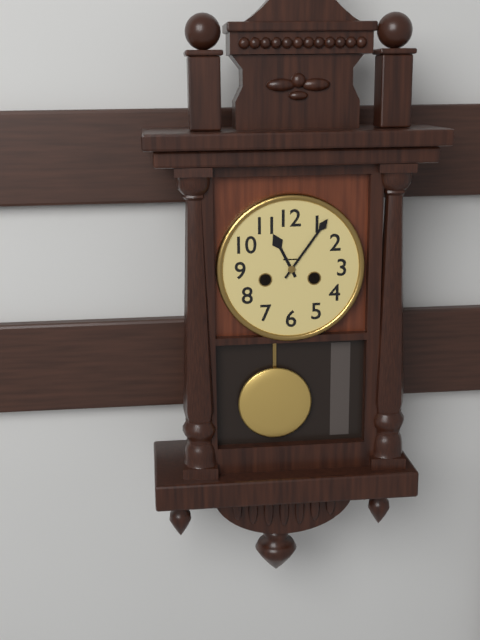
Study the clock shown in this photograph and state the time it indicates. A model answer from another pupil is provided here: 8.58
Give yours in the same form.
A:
11.06
